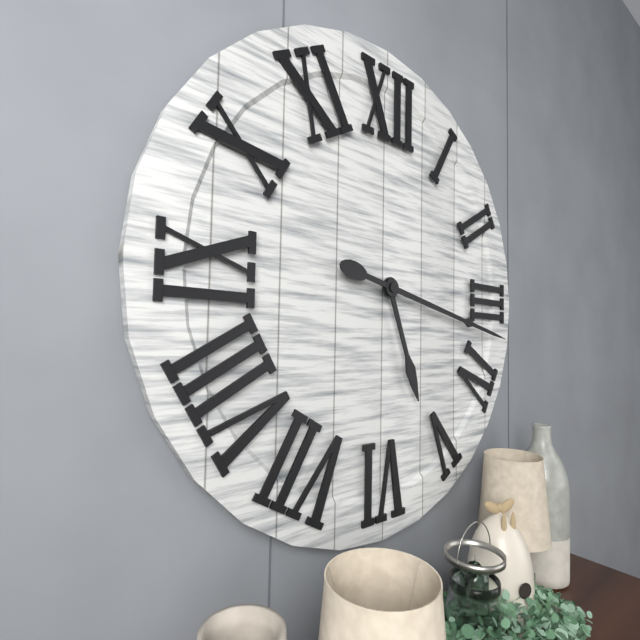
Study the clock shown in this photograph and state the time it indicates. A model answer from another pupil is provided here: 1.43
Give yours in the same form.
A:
5.17
